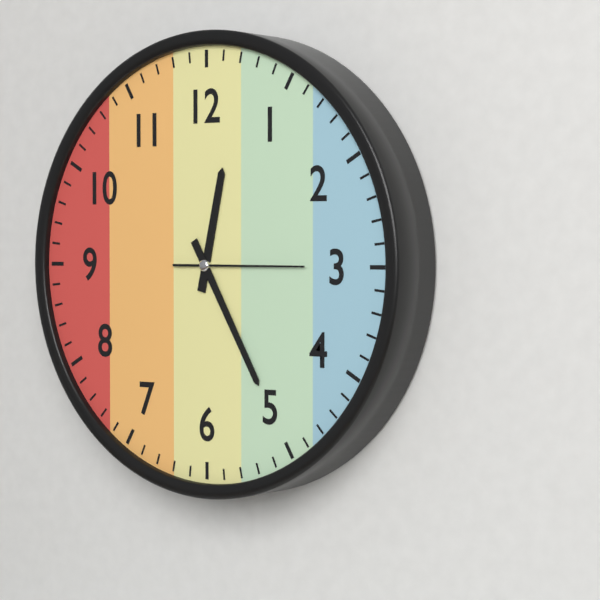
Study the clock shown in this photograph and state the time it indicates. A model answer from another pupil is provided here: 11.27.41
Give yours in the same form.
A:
12.25.15
